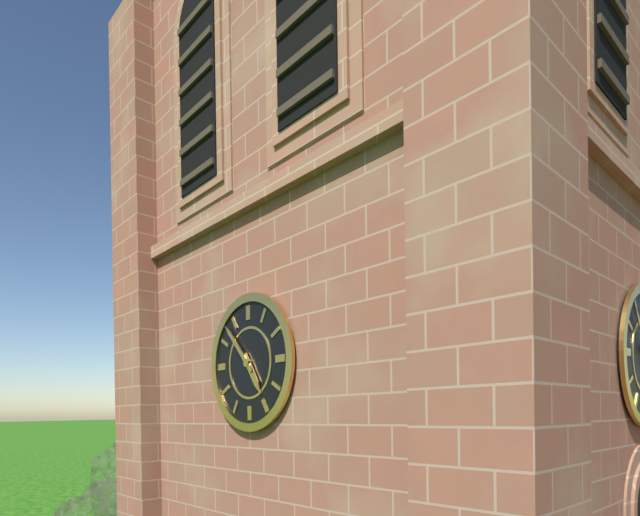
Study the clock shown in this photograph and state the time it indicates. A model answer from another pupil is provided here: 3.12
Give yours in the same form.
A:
4.53
